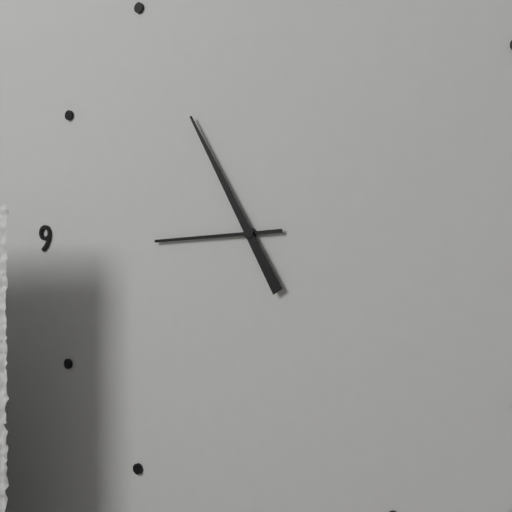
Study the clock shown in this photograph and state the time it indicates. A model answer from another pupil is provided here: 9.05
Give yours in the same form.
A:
8.55
